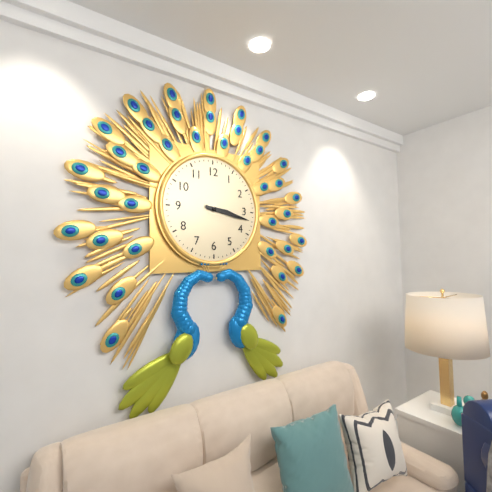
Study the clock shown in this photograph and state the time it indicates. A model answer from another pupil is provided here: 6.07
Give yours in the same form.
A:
3.17
